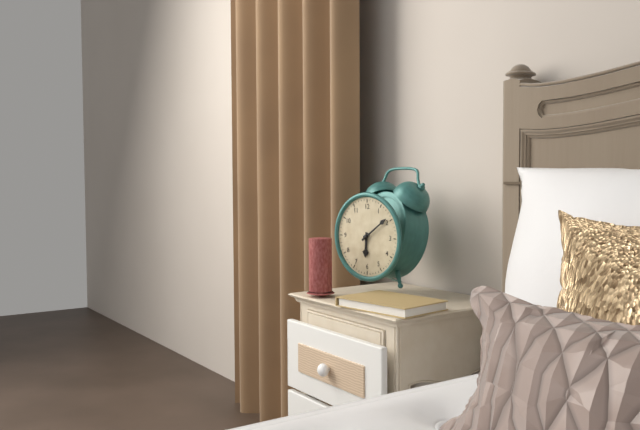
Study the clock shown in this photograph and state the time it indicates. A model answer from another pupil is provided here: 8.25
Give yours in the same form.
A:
6.09
